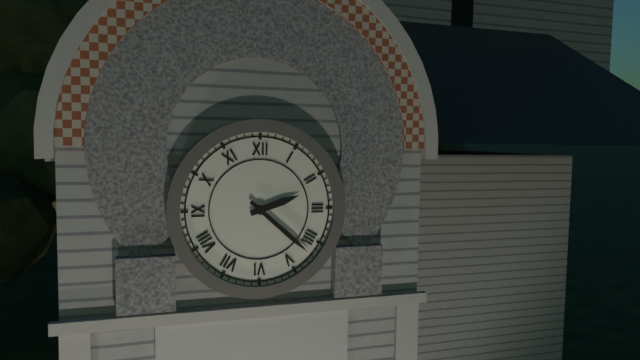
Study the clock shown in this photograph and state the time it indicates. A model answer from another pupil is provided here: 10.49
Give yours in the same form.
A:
2.22
